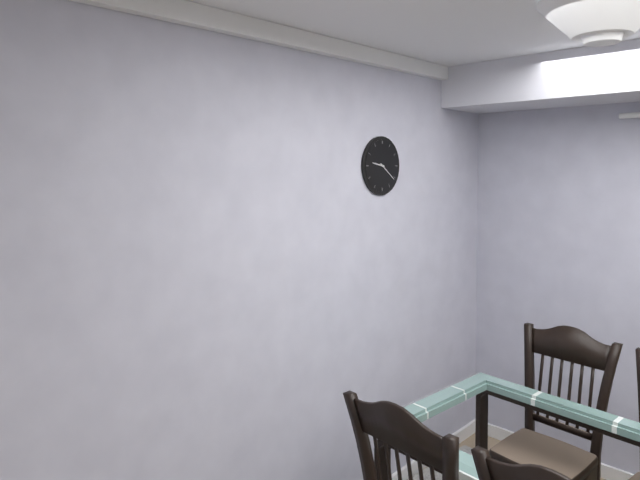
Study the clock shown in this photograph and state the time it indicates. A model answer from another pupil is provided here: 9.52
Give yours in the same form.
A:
9.21
